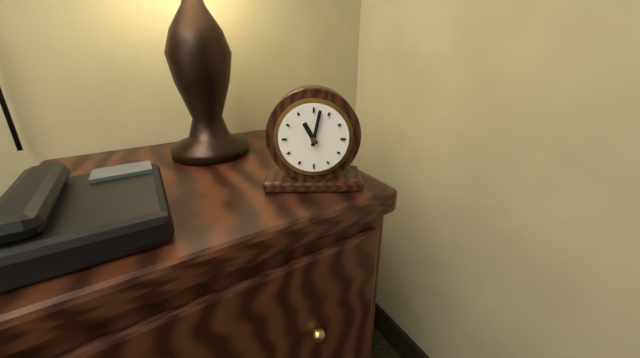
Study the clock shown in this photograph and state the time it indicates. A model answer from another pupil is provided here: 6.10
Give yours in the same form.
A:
11.02
